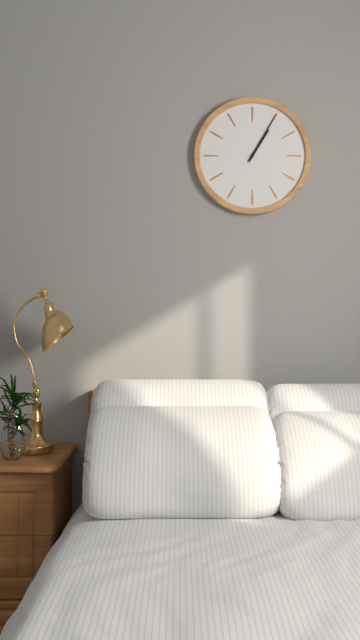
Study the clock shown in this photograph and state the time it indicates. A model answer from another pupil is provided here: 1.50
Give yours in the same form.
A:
1.05
